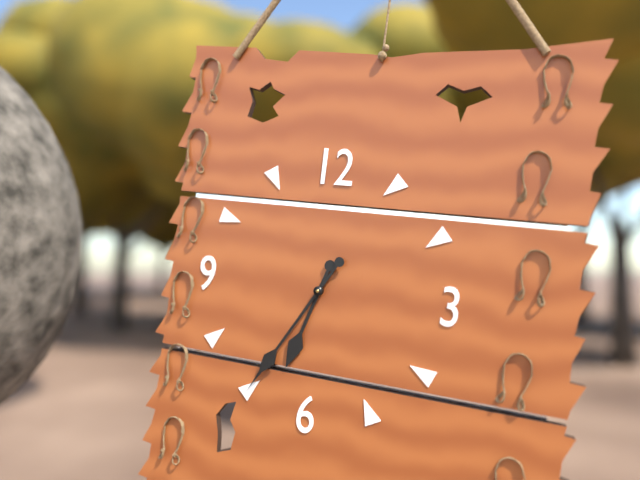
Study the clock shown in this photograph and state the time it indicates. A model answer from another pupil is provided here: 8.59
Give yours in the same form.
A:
6.35
